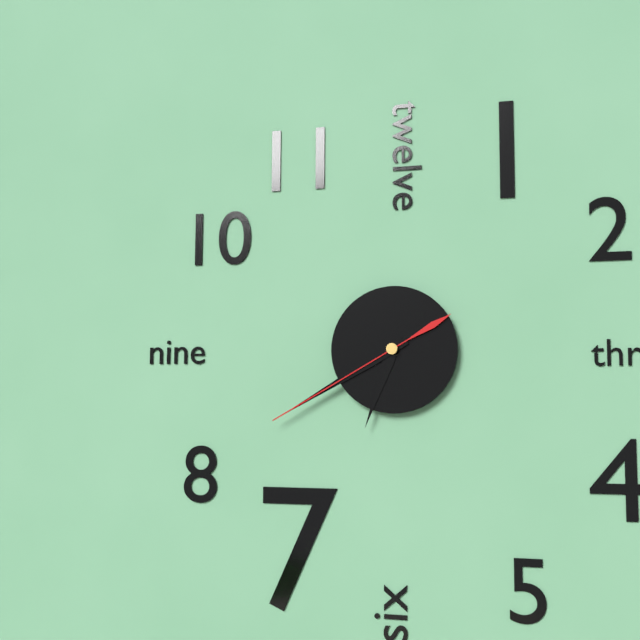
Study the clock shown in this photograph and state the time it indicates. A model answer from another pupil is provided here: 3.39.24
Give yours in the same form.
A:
6.40.40
